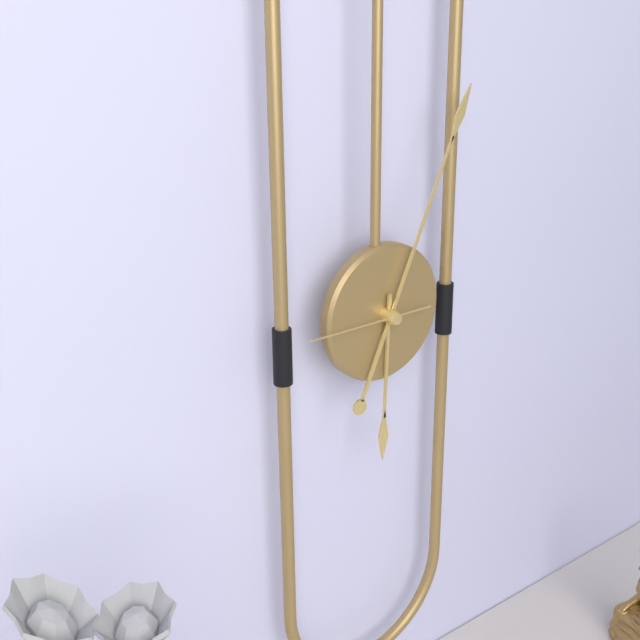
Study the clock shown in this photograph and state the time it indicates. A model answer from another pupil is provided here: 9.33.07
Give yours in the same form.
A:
6.04.45
